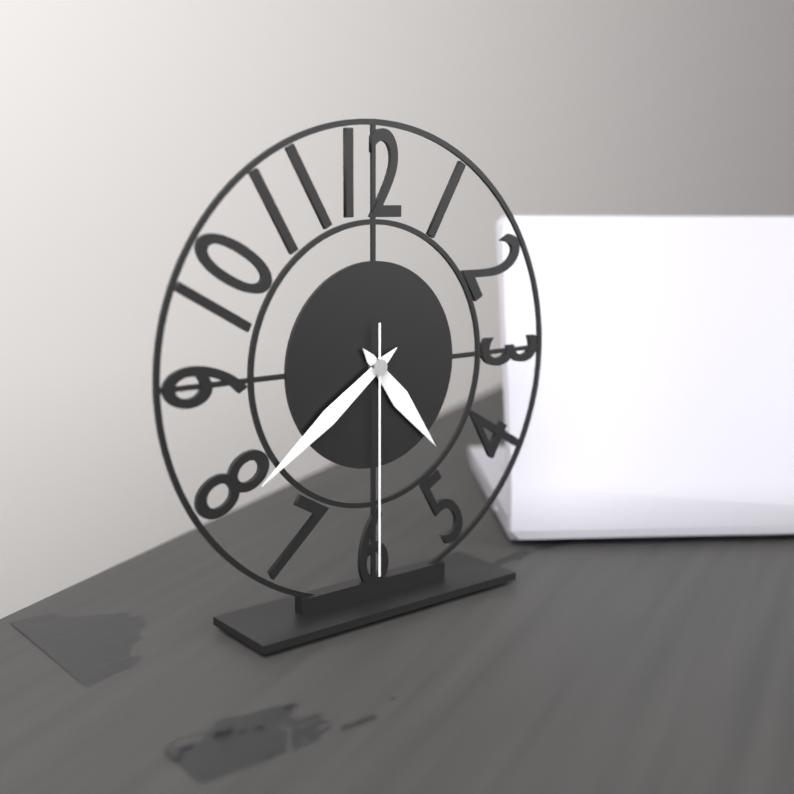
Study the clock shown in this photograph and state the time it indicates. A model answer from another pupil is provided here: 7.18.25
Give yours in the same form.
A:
4.39.30
